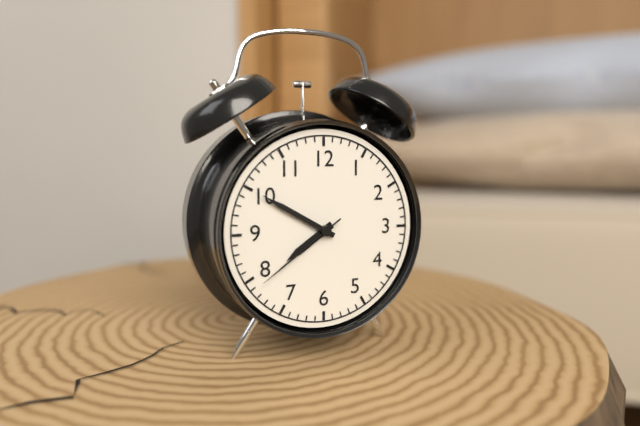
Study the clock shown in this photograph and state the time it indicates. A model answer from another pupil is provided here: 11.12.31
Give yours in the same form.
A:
7.50.39
